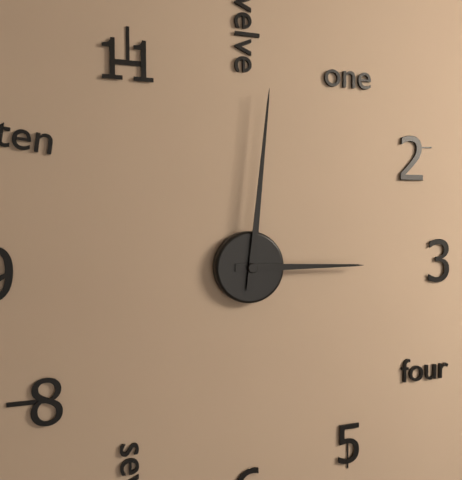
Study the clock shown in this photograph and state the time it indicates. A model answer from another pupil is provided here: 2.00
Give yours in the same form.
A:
3.01
